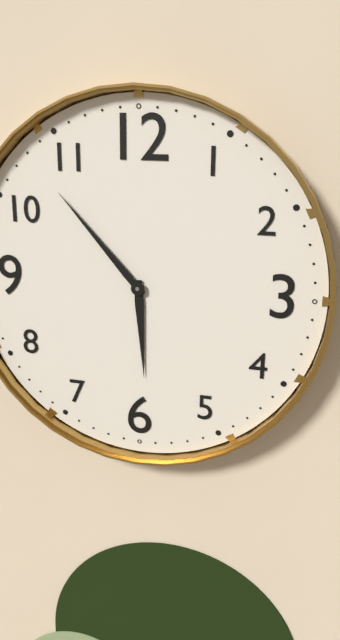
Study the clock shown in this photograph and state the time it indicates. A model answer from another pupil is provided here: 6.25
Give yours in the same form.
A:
5.53
